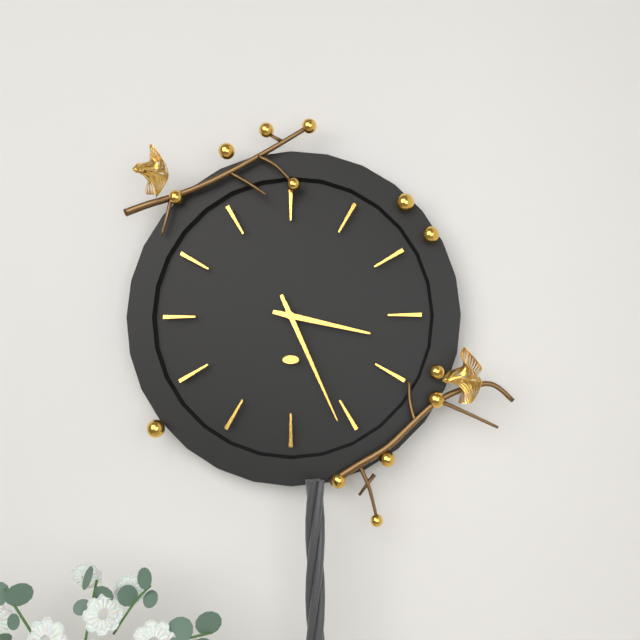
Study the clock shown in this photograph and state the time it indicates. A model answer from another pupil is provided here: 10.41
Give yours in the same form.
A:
3.26
